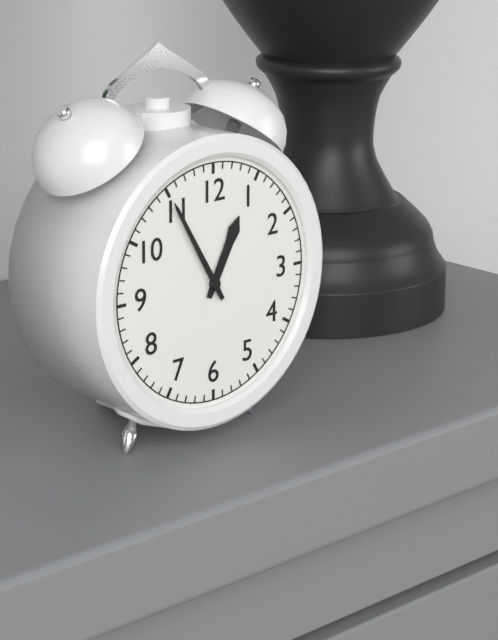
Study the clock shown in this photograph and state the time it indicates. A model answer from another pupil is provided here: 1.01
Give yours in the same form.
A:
12.55
